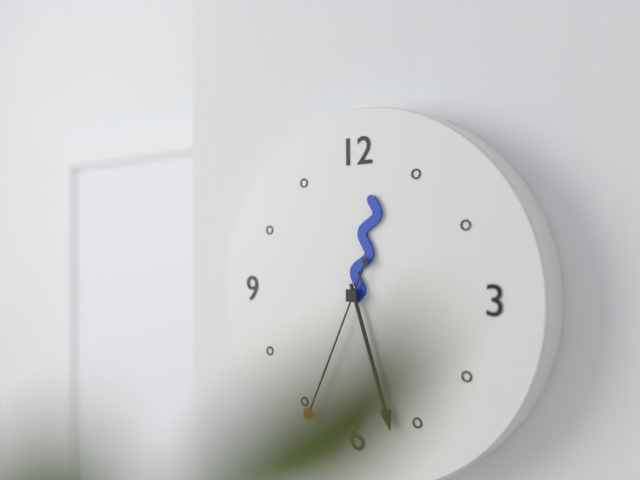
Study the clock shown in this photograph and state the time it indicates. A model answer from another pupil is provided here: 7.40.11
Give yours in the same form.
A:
12.27.34
